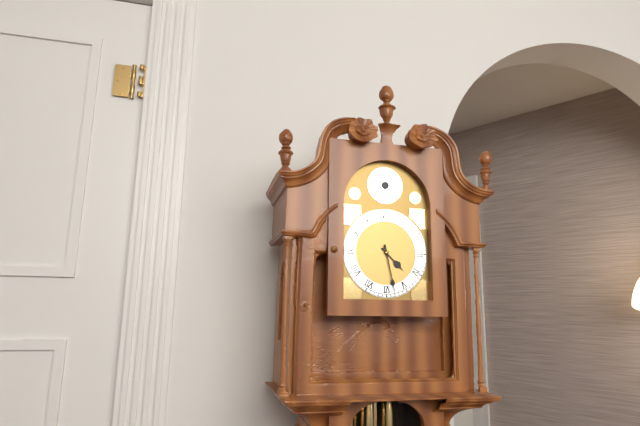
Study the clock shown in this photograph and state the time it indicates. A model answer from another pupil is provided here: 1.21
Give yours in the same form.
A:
4.28
